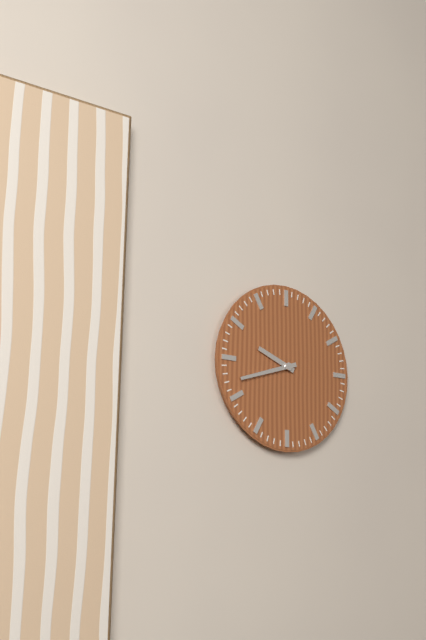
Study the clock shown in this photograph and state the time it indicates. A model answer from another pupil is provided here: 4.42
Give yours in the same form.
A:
9.42
